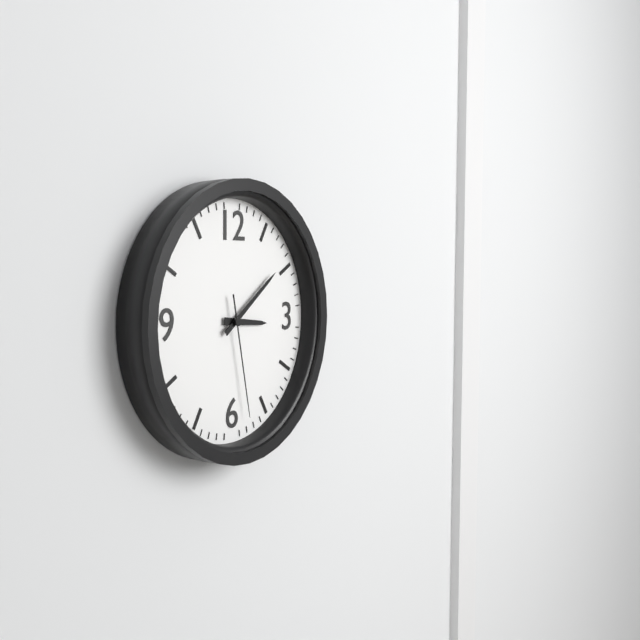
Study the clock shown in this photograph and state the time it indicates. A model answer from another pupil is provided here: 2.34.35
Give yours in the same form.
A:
3.09.28
